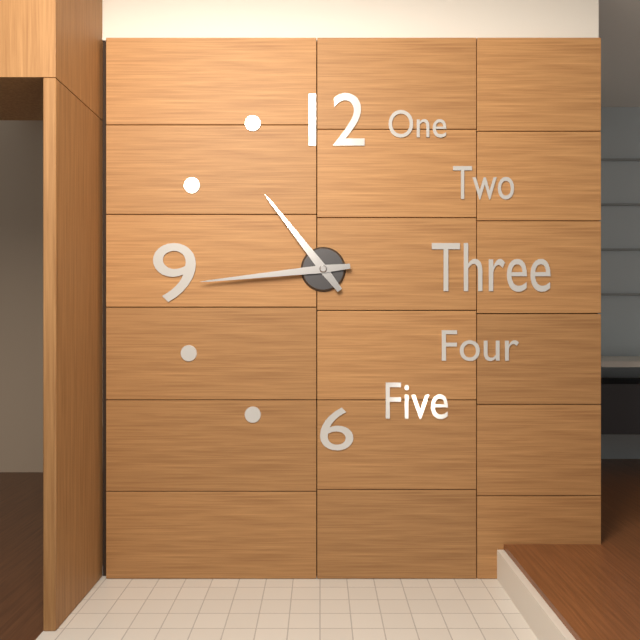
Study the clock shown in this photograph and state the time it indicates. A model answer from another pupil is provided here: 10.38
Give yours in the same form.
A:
10.44
